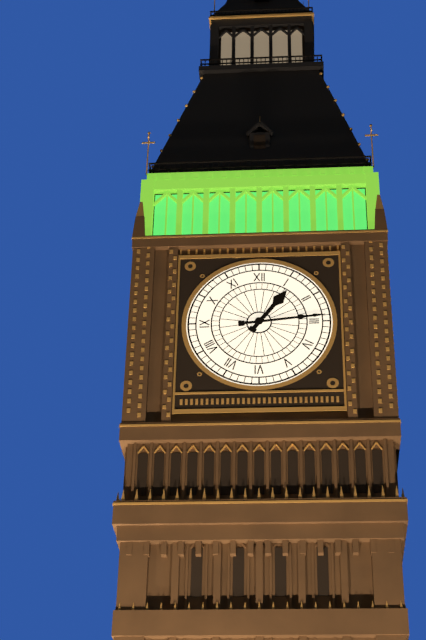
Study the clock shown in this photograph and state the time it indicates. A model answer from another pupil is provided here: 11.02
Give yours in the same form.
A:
1.14
